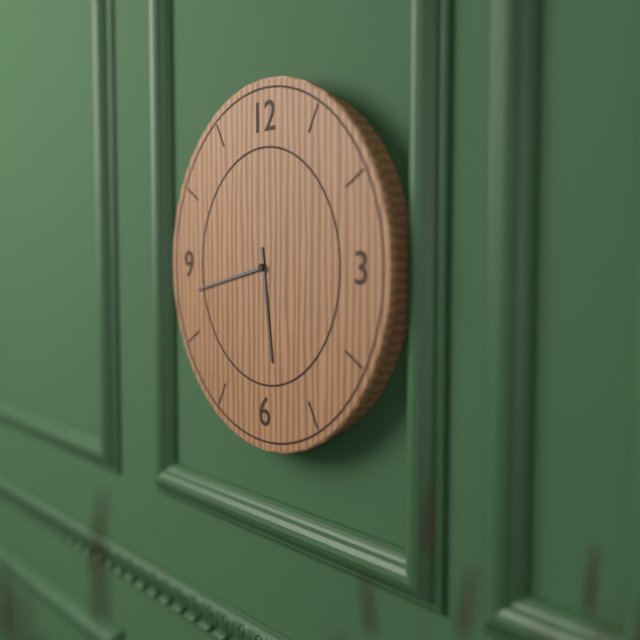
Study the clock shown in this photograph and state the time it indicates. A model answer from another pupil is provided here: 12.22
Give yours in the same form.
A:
5.43
